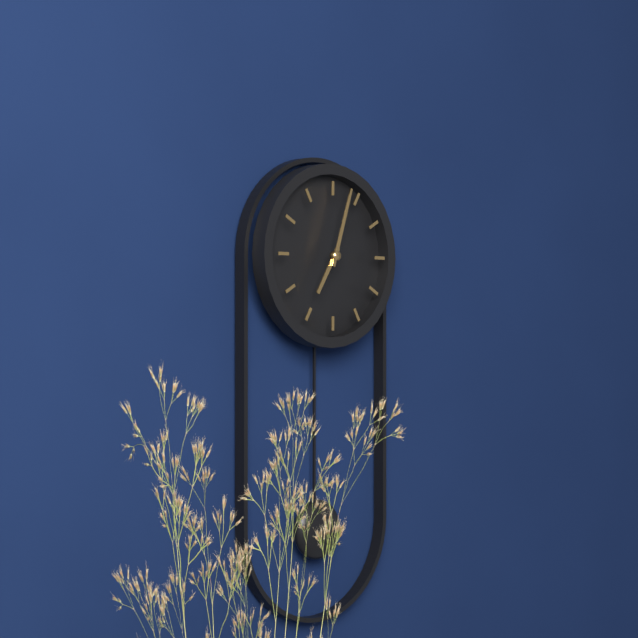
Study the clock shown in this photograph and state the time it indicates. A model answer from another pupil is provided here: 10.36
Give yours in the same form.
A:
7.03
